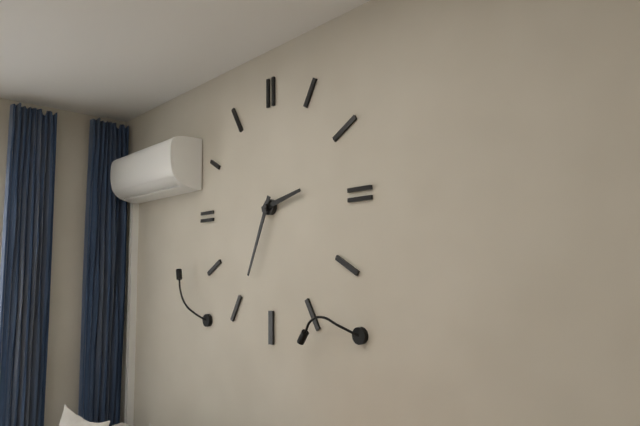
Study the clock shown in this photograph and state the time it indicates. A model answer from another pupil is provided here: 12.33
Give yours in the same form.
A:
2.34
